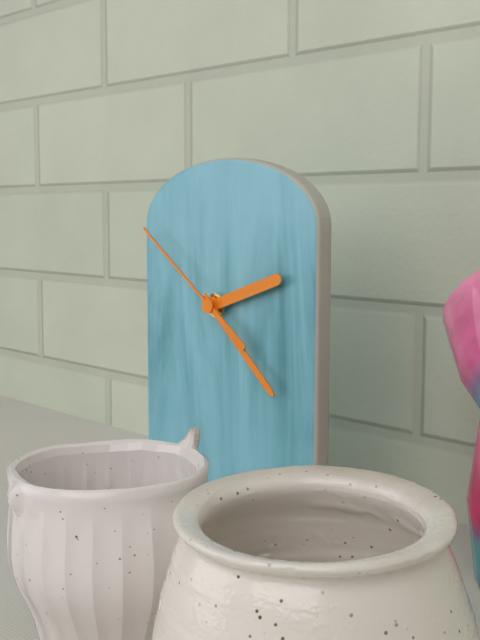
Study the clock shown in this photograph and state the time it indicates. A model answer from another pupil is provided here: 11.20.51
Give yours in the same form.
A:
2.22.51
